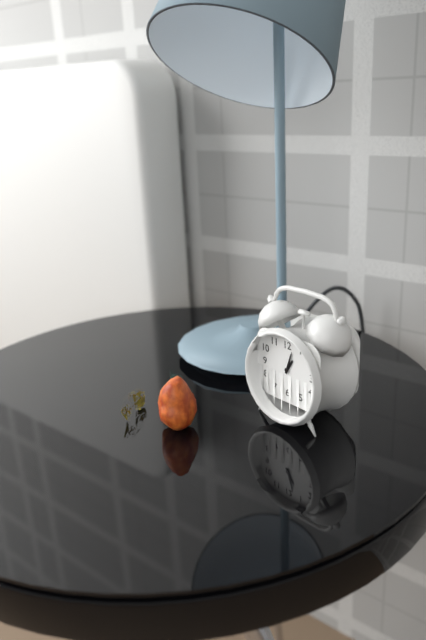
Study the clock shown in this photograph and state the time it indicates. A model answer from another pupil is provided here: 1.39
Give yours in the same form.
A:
1.03
